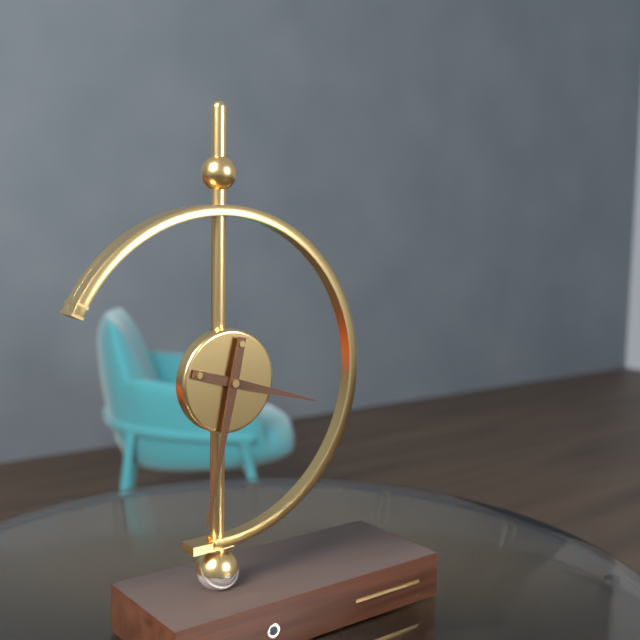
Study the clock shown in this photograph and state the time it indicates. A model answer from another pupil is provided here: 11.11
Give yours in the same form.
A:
3.32
